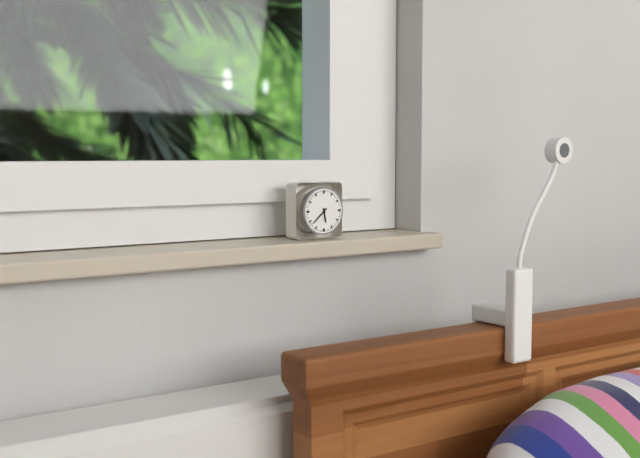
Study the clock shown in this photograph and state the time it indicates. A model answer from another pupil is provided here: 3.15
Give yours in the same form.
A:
5.38
